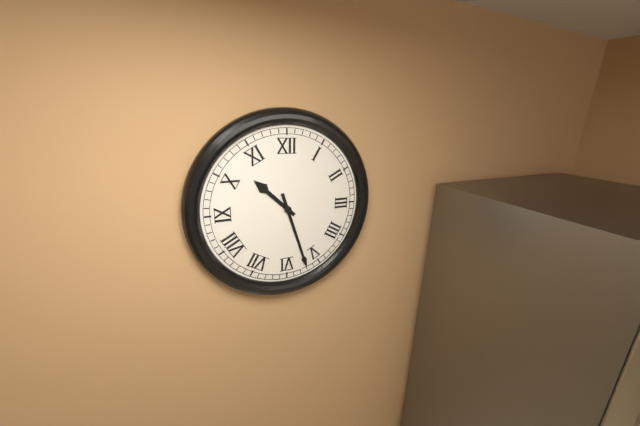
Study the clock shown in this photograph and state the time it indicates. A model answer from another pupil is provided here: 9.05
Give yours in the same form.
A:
10.27
